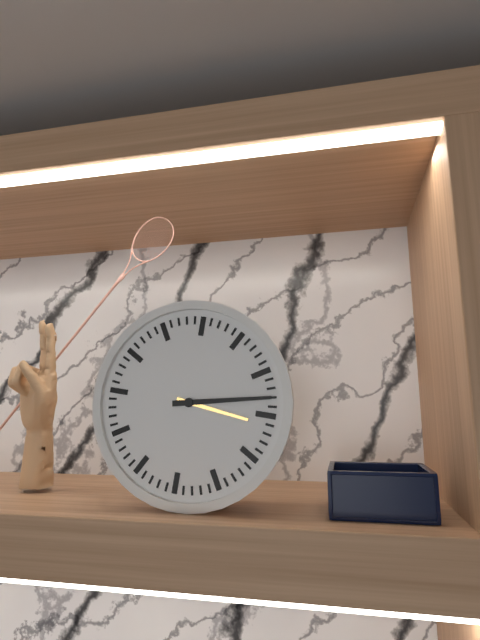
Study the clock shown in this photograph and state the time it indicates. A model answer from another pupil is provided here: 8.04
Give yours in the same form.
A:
3.13
